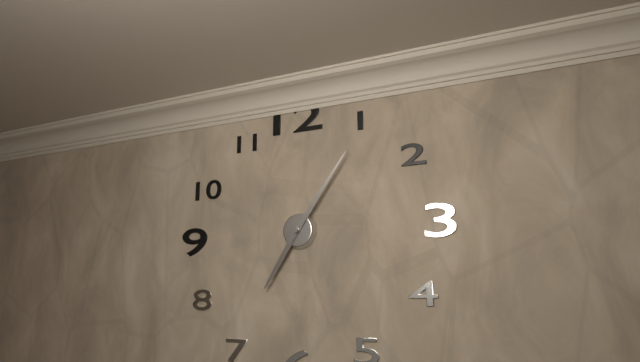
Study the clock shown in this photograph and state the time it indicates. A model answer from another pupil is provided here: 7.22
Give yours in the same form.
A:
7.06
